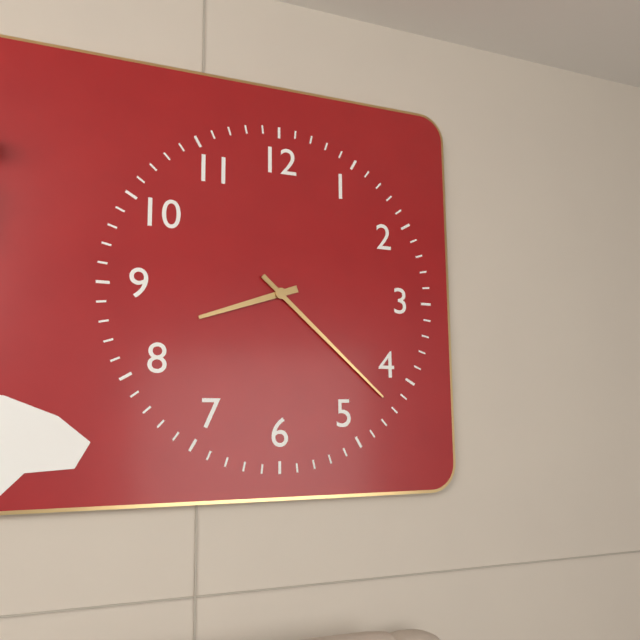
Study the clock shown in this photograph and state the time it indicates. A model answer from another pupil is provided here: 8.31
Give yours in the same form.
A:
8.22
